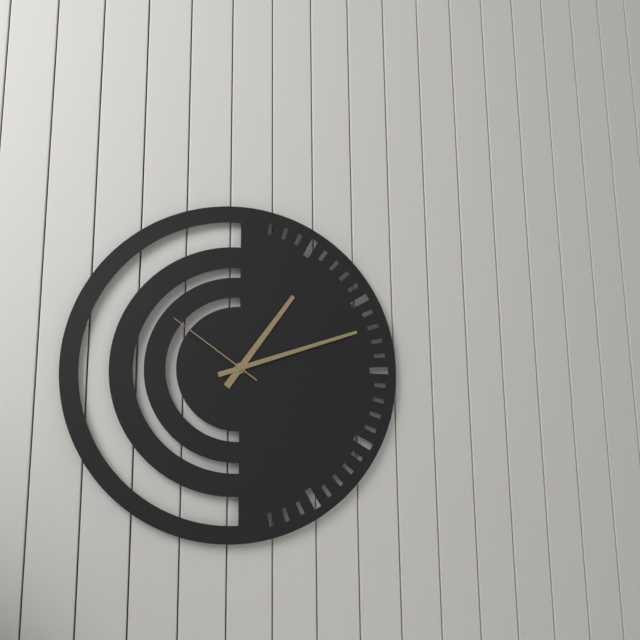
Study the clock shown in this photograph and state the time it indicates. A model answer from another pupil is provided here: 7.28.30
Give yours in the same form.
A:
1.12.51
